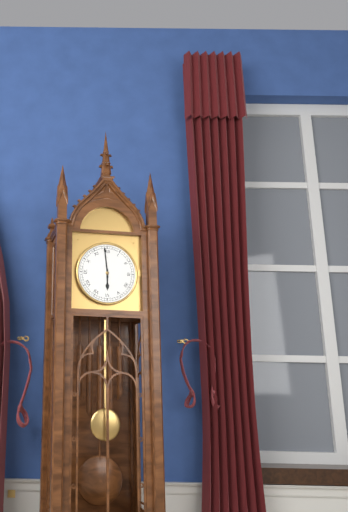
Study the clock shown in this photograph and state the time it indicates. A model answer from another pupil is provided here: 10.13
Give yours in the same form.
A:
5.59
